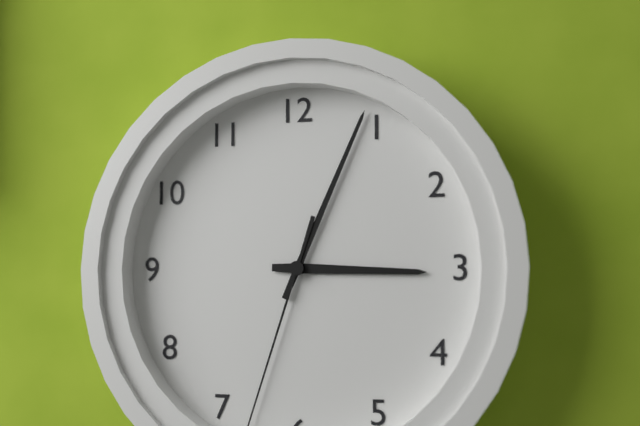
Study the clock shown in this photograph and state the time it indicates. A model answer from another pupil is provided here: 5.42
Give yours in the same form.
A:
3.04
